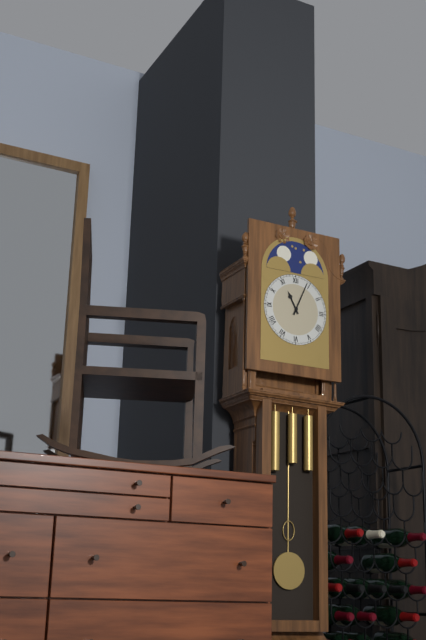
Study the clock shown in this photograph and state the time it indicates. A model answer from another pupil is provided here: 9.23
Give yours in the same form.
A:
11.04
